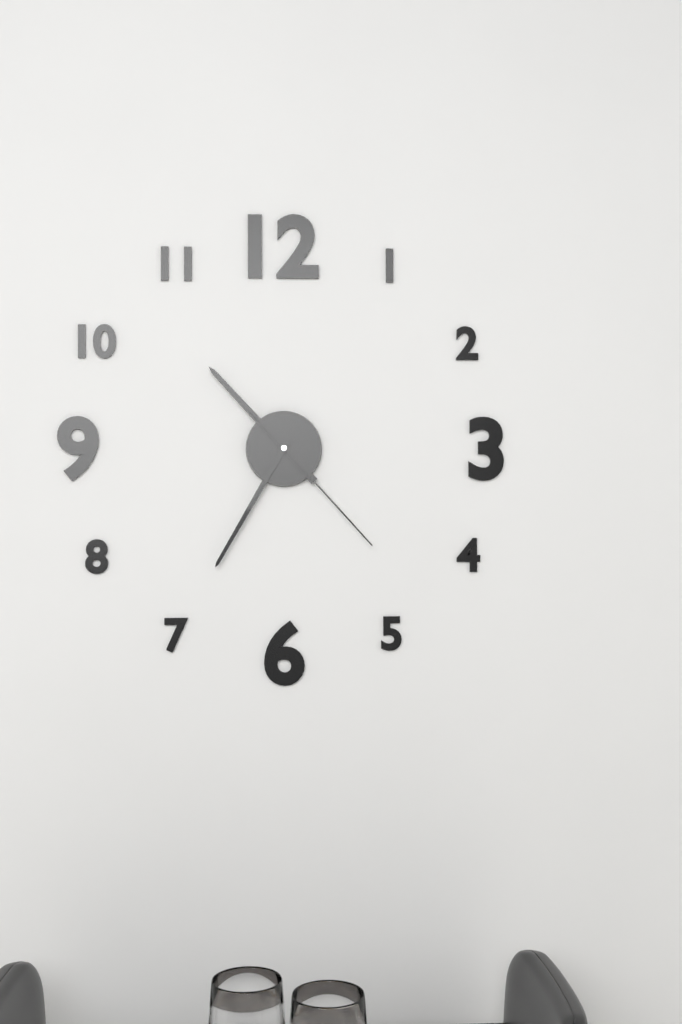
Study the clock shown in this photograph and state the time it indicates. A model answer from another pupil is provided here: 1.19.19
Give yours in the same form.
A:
10.35.23
